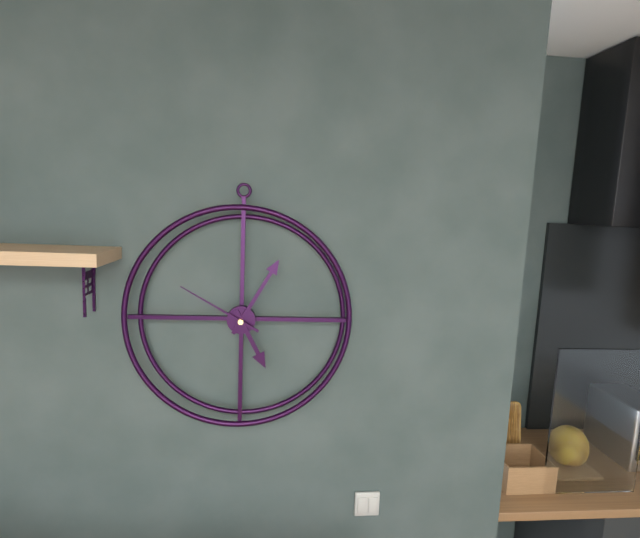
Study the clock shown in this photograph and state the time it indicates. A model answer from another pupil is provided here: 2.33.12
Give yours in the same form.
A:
5.05.50
